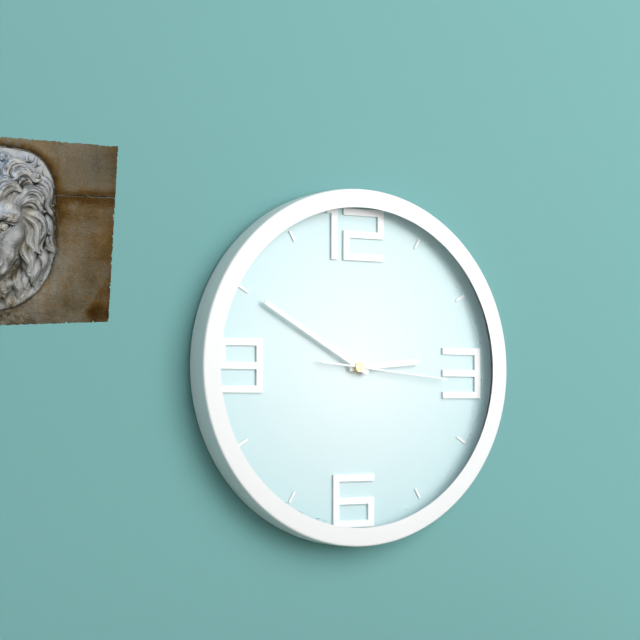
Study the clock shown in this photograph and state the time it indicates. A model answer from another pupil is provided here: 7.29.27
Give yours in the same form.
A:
2.50.16
